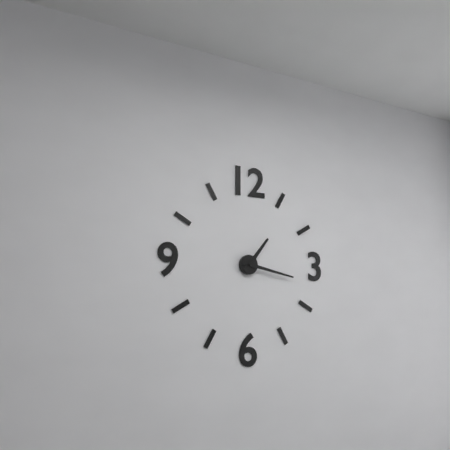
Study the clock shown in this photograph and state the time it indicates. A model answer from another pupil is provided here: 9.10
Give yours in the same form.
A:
1.17
